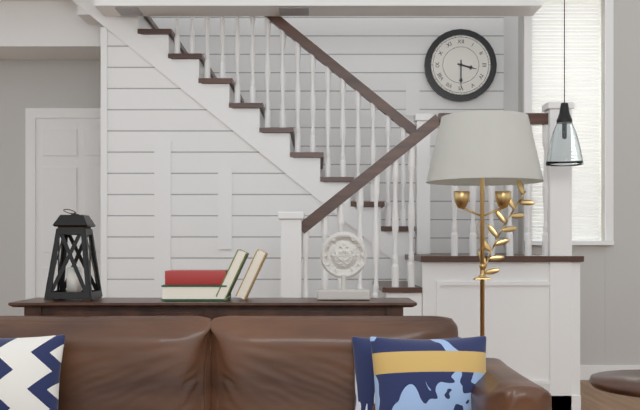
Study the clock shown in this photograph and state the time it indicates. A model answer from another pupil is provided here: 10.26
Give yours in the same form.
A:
3.30
